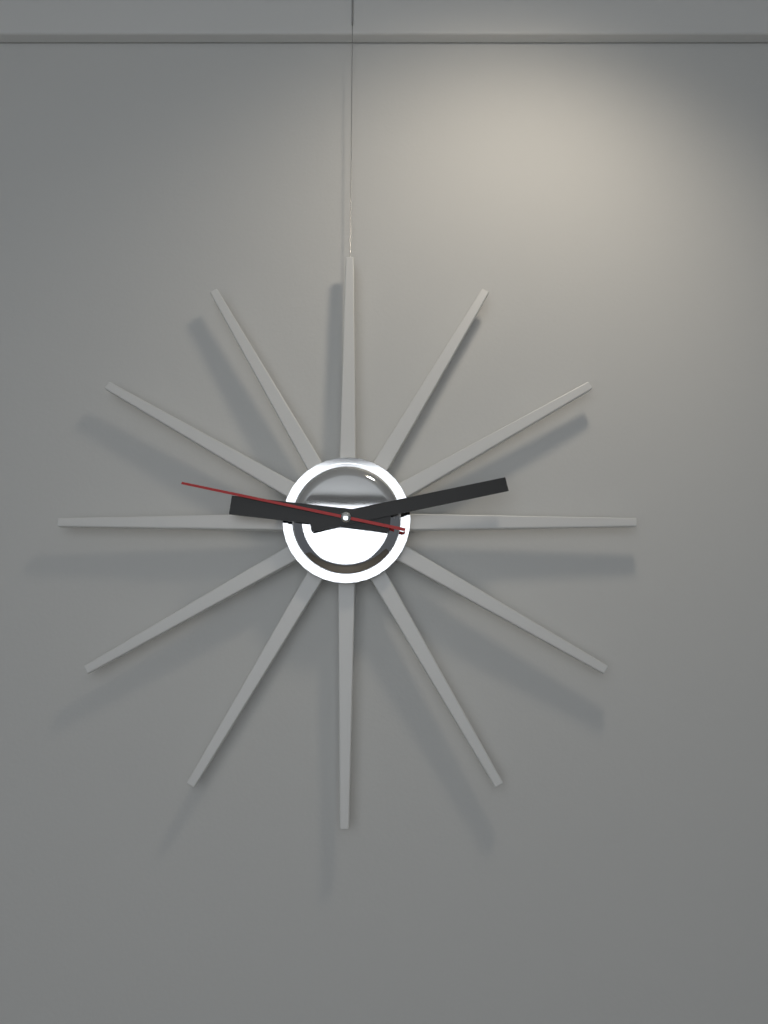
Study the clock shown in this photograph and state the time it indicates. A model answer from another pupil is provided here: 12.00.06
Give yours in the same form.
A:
9.13.47
